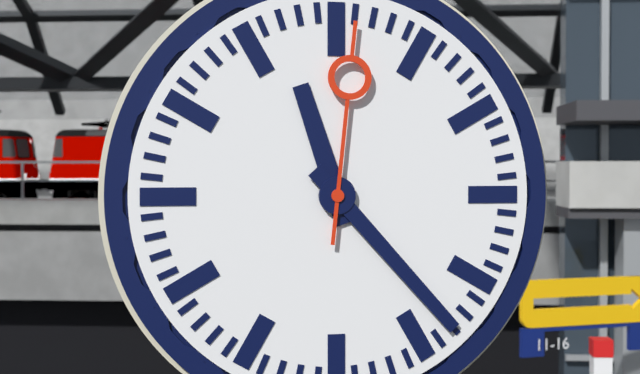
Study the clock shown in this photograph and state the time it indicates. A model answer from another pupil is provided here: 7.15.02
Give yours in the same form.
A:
11.23.01
